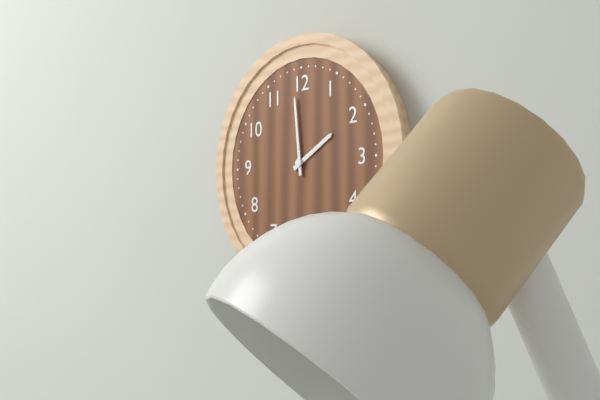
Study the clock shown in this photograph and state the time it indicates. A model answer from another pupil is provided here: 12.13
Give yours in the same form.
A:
1.59
